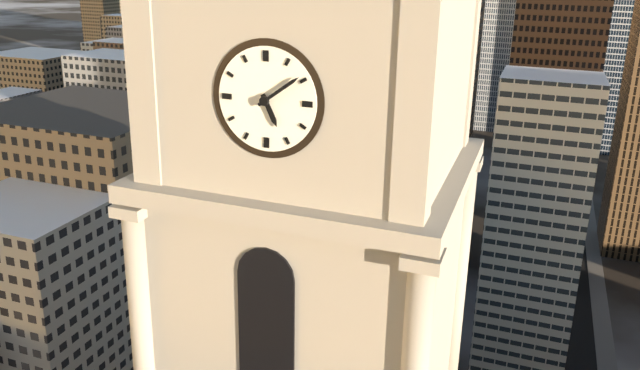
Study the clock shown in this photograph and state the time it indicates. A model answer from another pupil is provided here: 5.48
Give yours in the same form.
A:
5.09
